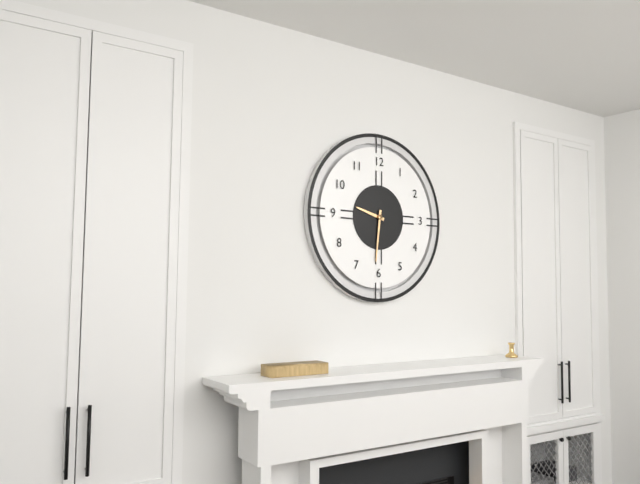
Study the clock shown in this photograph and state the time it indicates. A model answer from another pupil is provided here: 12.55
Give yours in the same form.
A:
9.31
